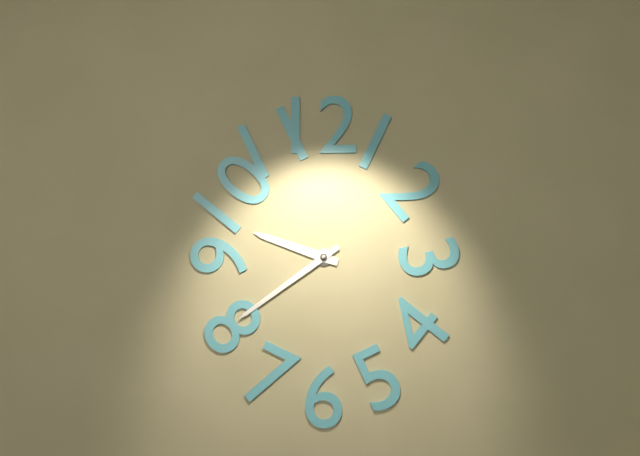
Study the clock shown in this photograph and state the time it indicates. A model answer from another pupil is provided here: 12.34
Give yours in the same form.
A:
9.39
